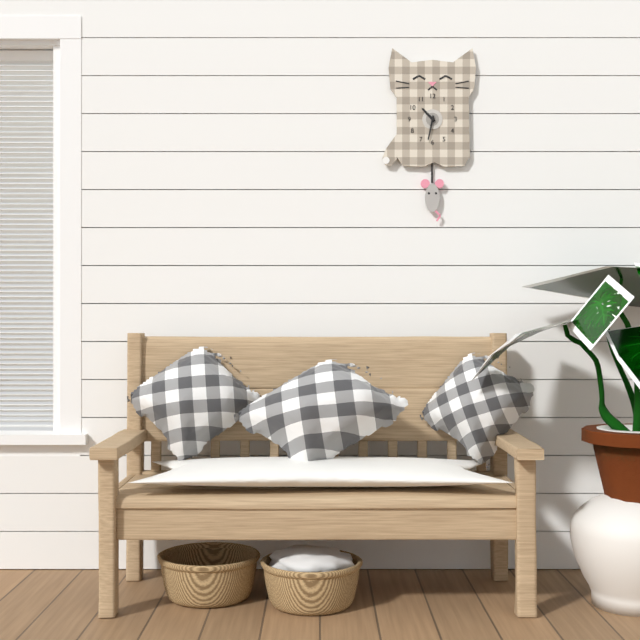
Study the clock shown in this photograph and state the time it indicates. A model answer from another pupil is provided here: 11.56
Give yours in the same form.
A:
10.32
